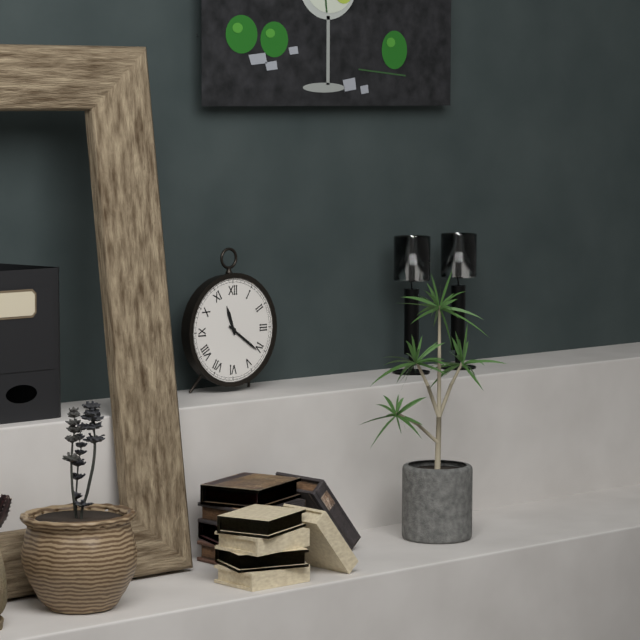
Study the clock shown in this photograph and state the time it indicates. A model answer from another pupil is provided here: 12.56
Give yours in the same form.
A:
11.21
